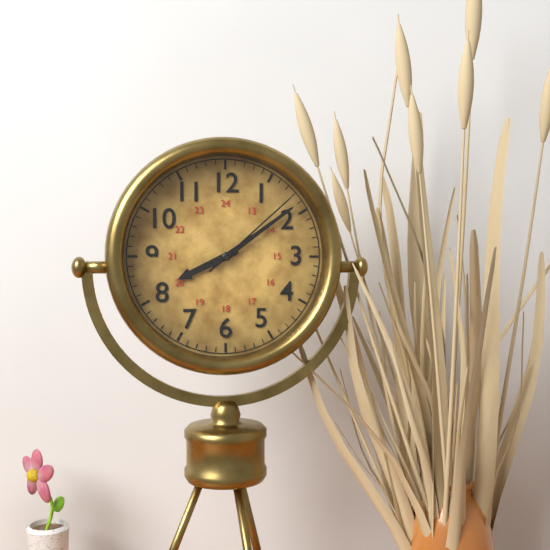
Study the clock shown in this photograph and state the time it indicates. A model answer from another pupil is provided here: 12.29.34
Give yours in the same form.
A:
8.09.08
